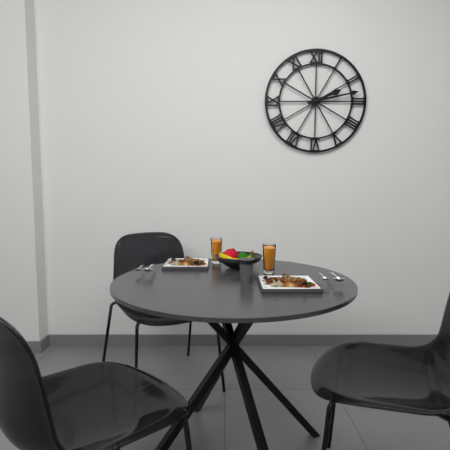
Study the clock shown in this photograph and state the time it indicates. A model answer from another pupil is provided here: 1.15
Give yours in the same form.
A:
2.13
